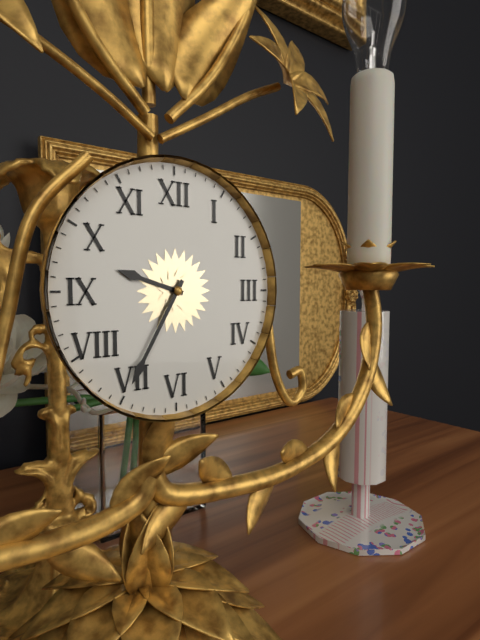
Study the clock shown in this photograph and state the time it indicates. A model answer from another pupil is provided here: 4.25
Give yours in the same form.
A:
9.35
